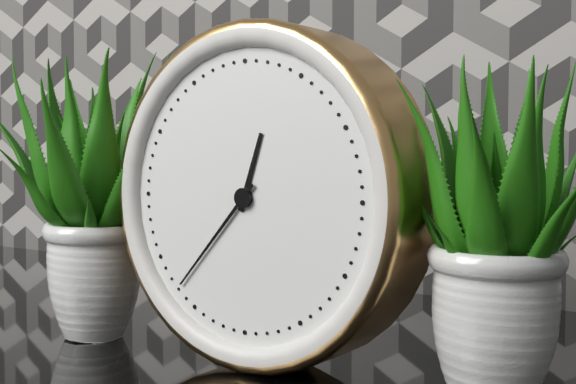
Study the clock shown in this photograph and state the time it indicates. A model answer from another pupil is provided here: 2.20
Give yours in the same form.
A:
12.37
